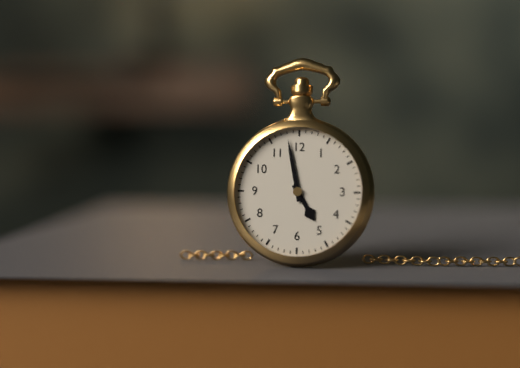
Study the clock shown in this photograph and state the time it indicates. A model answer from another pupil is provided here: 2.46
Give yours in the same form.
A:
4.58
